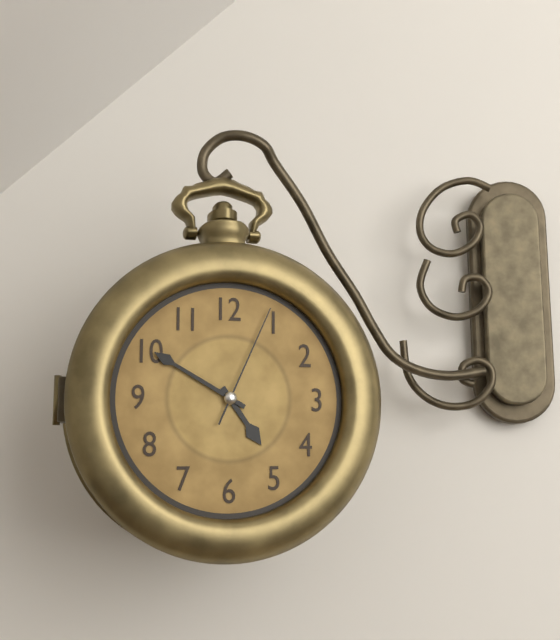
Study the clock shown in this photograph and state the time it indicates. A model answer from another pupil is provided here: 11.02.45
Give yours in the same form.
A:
4.50.04
